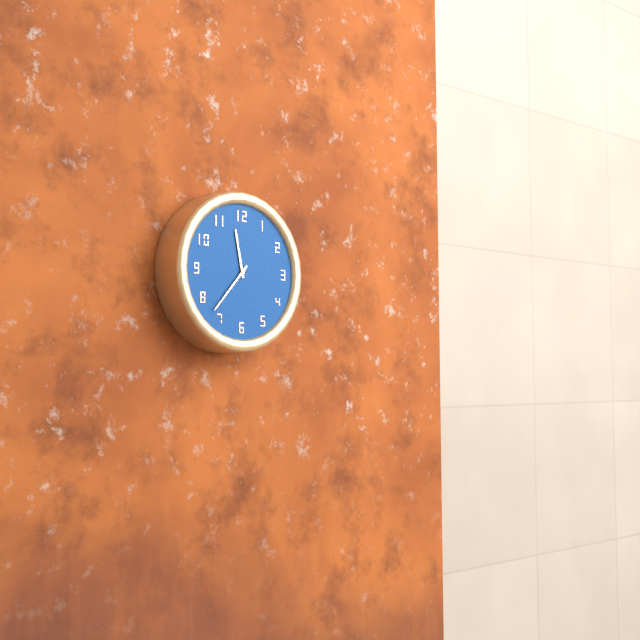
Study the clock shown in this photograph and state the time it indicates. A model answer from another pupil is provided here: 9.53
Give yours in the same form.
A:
11.37
